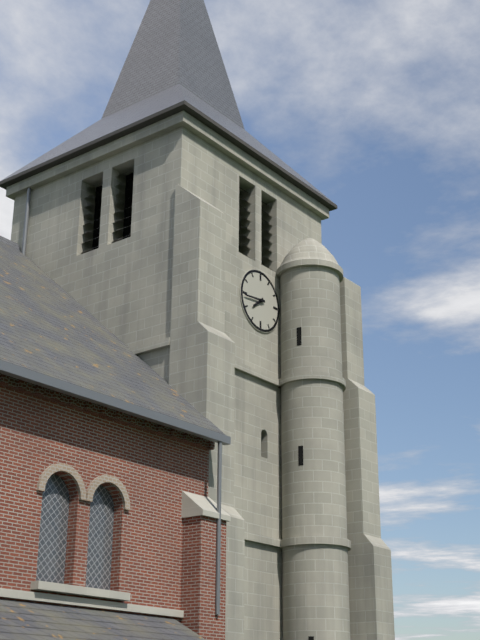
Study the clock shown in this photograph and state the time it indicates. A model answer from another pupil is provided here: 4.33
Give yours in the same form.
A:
7.44
